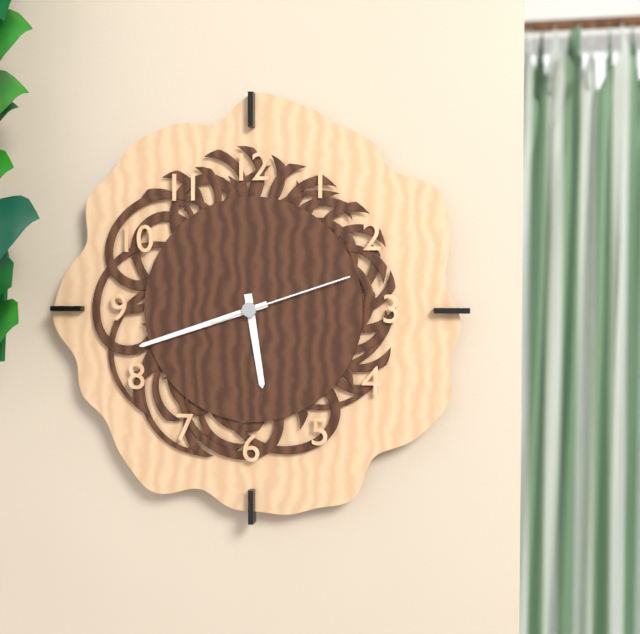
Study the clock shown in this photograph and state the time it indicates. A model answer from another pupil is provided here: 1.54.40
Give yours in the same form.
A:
5.42.12
